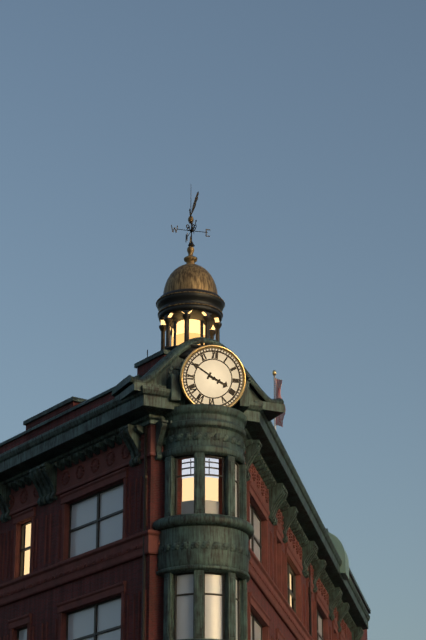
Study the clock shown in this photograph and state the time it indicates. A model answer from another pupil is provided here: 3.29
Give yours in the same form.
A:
3.50
